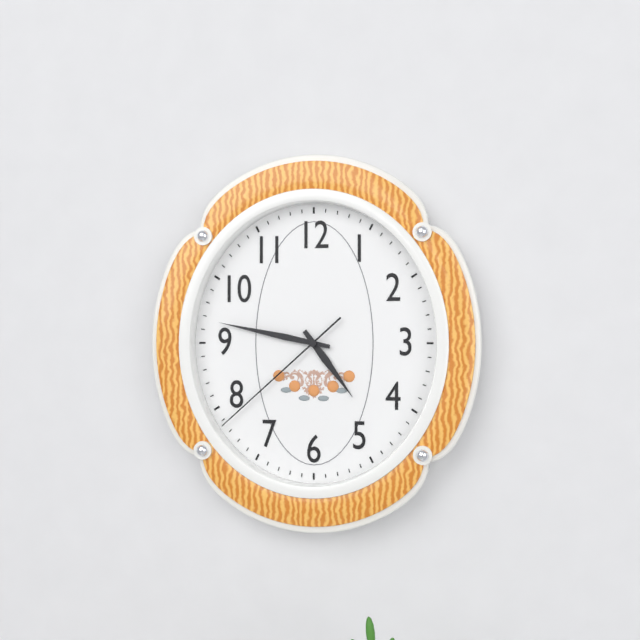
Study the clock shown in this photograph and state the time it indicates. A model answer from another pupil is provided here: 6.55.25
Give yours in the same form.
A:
4.47.38
